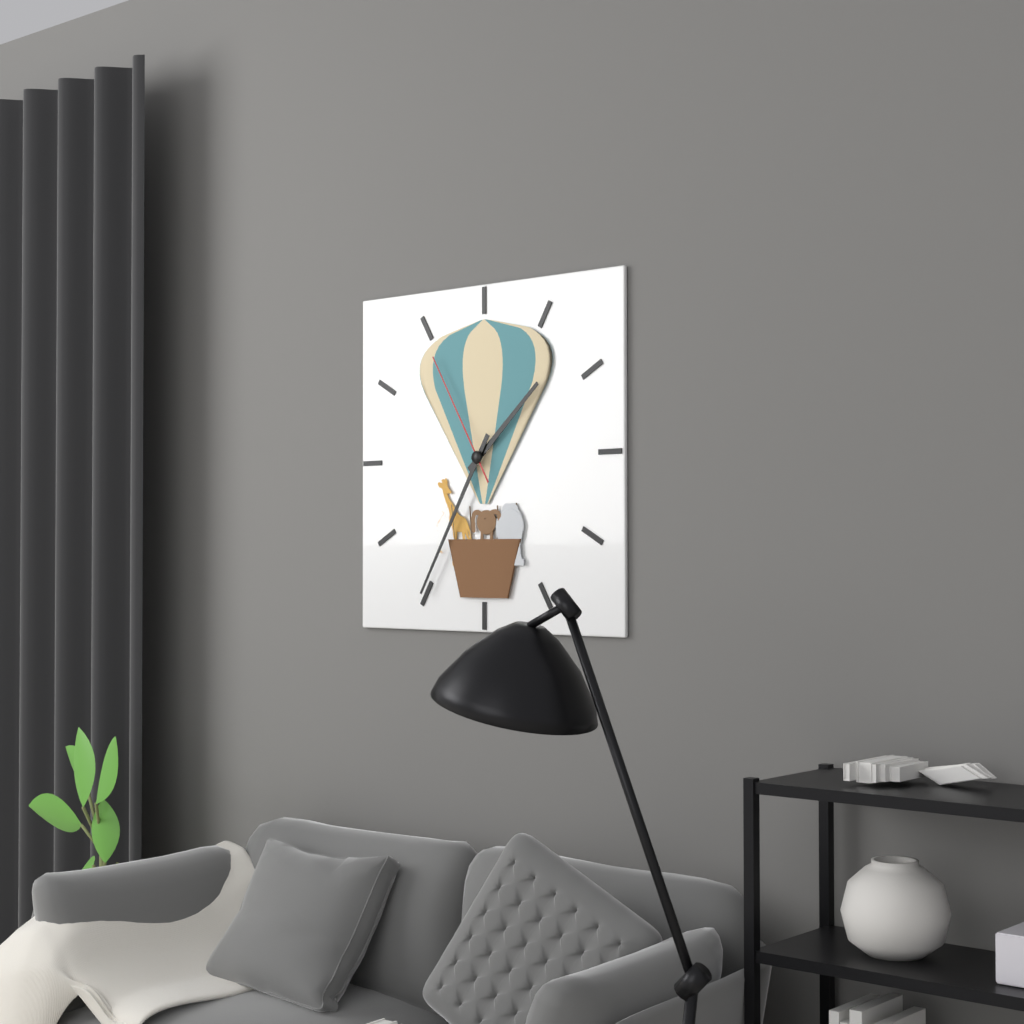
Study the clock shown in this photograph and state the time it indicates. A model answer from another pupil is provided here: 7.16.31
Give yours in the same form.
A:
1.35.55
